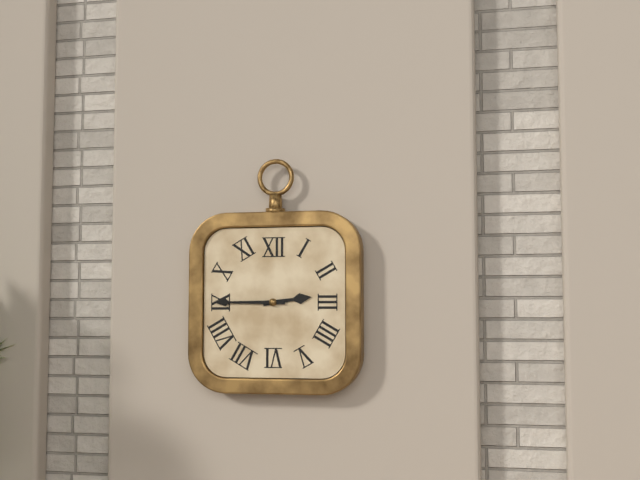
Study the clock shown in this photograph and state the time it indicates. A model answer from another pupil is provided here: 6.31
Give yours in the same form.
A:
2.45
